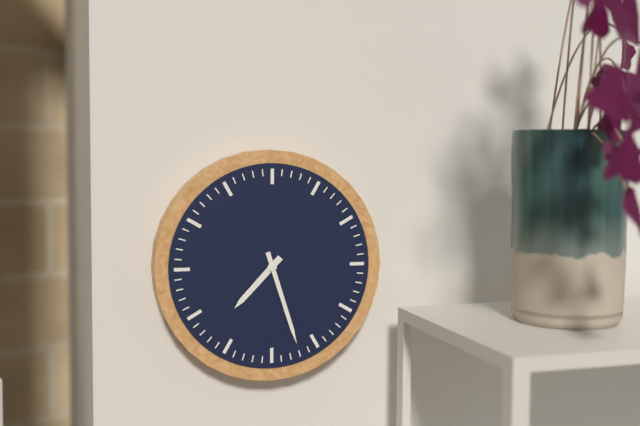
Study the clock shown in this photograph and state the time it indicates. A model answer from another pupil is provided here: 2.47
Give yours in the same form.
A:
7.27
